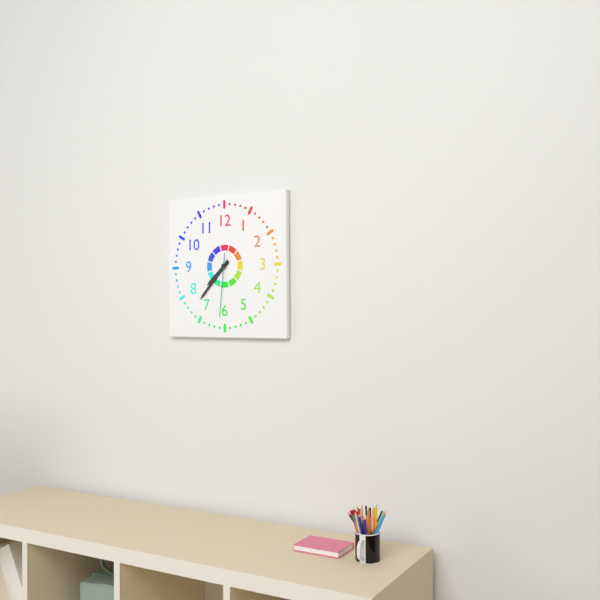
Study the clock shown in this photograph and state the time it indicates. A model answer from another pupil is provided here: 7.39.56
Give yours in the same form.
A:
7.37.31
